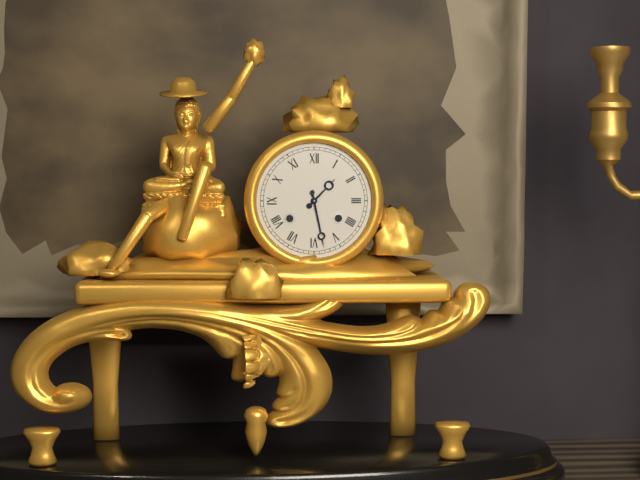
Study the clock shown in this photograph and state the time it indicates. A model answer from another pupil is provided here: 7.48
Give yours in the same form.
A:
1.28
